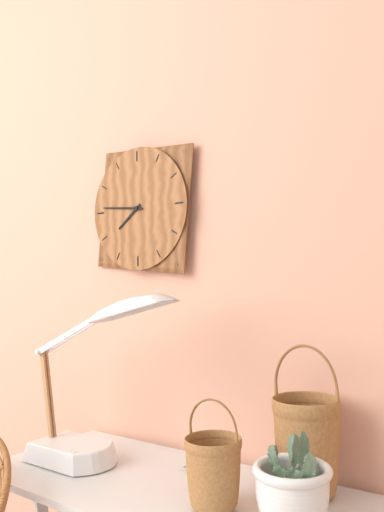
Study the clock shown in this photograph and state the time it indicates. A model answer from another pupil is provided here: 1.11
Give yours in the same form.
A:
7.46
